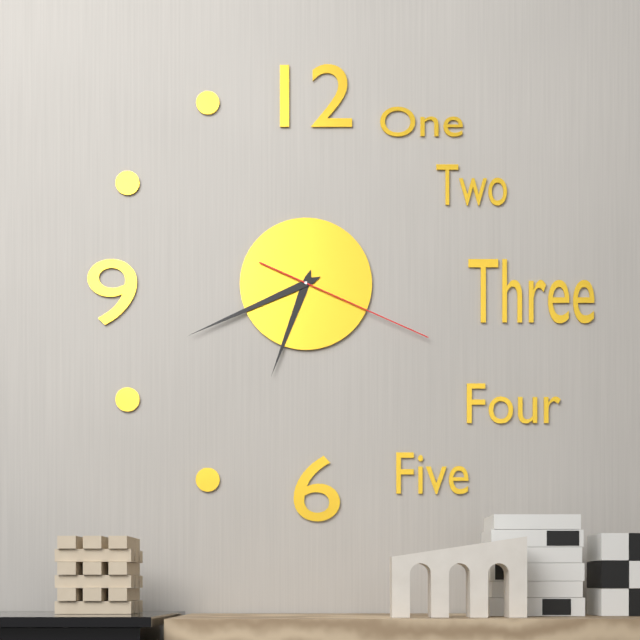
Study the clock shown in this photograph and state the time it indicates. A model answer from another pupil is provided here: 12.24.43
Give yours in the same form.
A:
6.41.19
